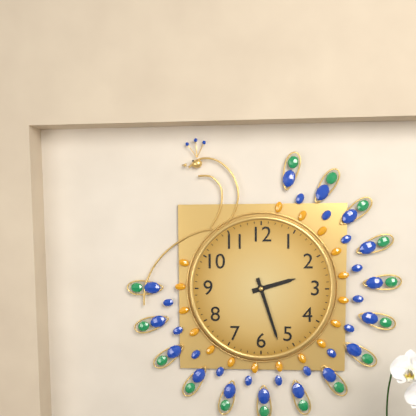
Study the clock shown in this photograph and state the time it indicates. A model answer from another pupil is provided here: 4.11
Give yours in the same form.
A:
2.27
